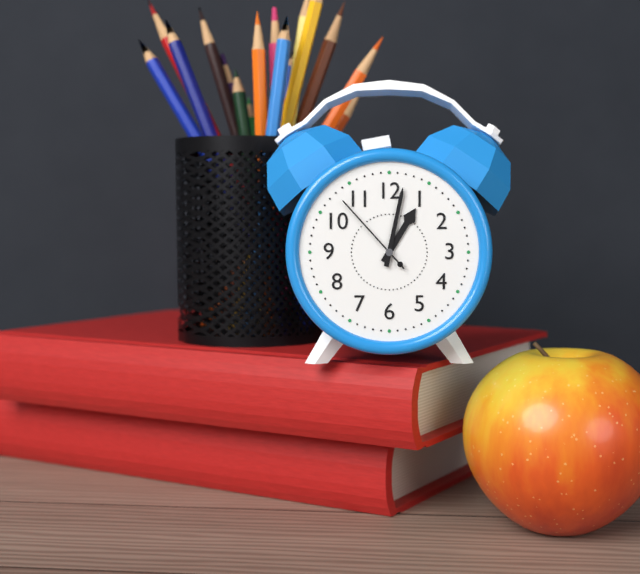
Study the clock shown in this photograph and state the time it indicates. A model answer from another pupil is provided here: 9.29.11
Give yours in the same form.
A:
1.02.53
